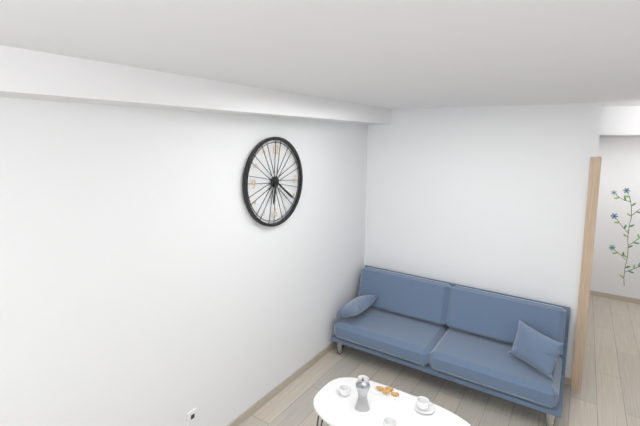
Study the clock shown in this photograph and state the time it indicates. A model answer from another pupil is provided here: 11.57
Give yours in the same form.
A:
6.21
